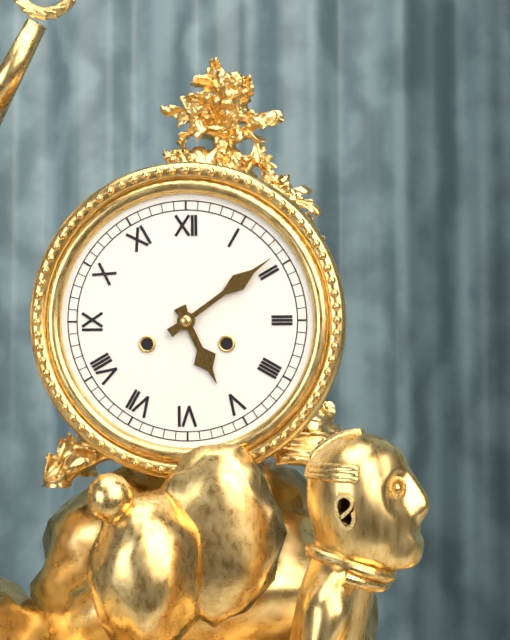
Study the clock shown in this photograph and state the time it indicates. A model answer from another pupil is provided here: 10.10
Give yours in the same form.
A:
5.09
